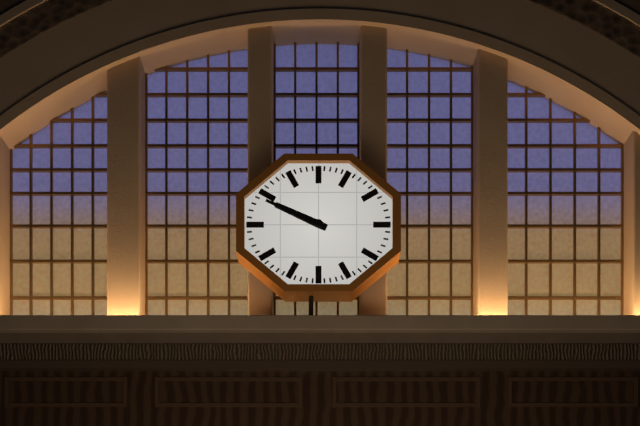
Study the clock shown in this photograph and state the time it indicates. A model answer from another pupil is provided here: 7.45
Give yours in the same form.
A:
9.49
